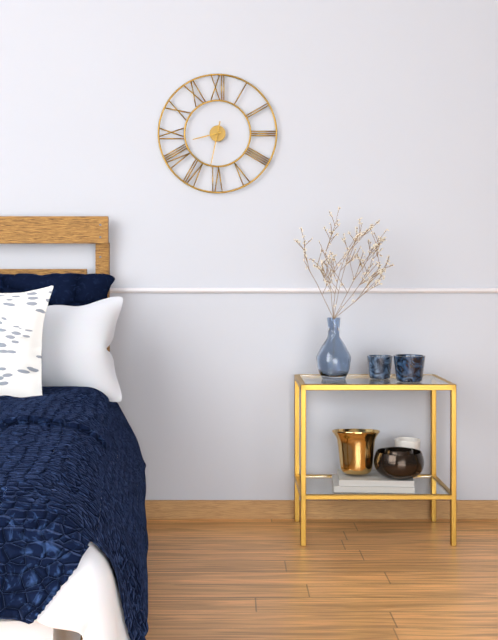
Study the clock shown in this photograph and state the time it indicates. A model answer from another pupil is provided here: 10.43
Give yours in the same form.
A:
8.32
